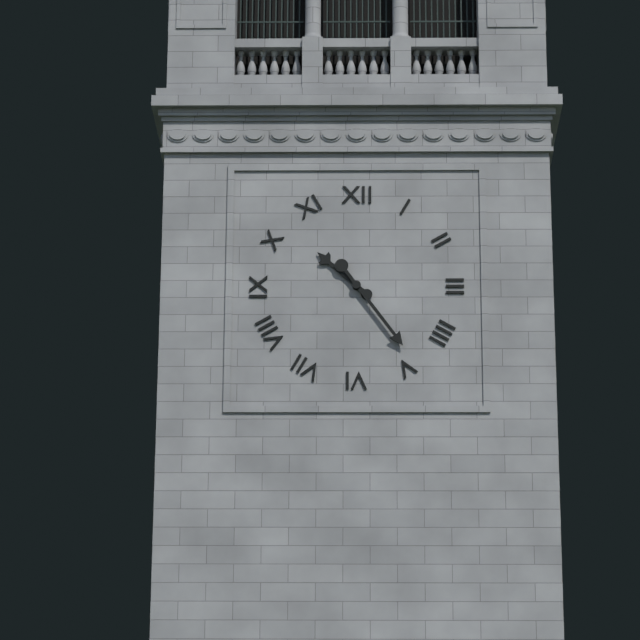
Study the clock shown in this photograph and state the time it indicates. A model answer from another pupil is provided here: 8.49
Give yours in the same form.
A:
10.24
